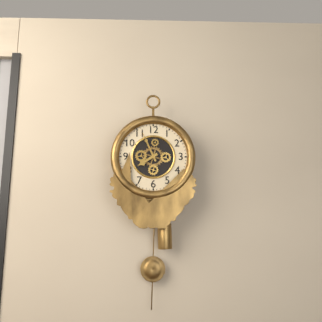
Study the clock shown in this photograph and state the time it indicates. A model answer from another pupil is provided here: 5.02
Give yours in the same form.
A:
7.56
